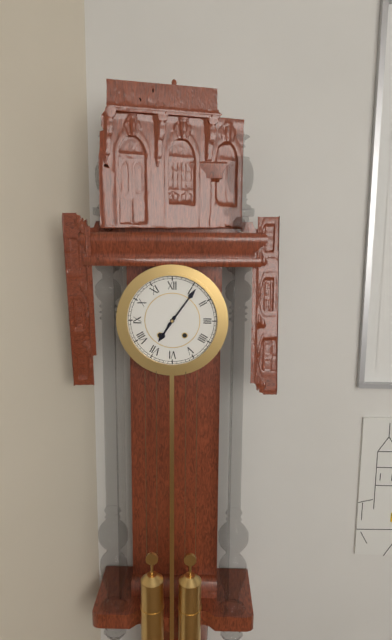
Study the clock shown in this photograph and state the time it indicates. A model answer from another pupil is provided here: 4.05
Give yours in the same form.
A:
7.06
